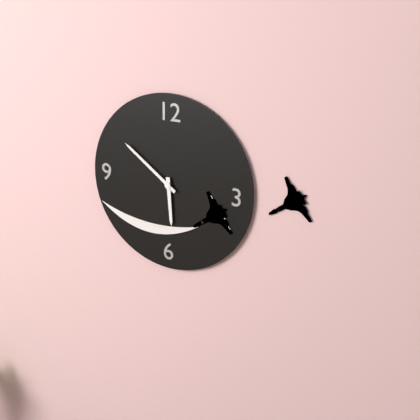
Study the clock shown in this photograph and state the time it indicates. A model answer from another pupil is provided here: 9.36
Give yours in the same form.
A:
5.51
